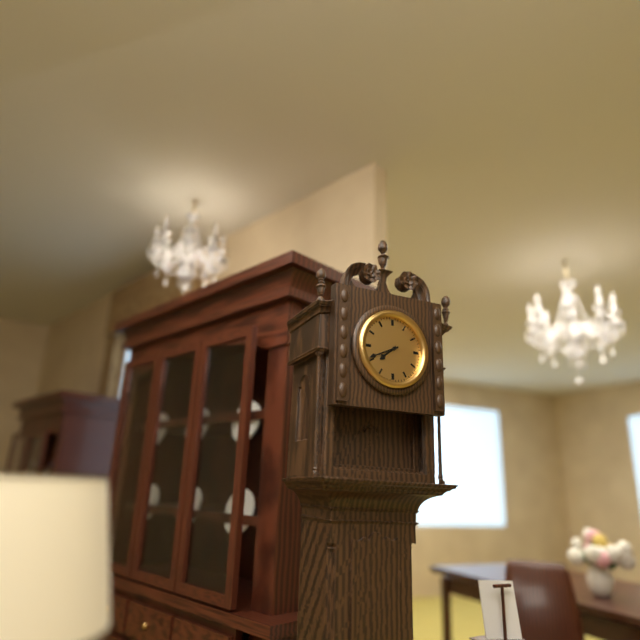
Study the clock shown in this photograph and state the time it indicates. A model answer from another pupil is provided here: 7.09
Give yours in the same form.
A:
7.41
